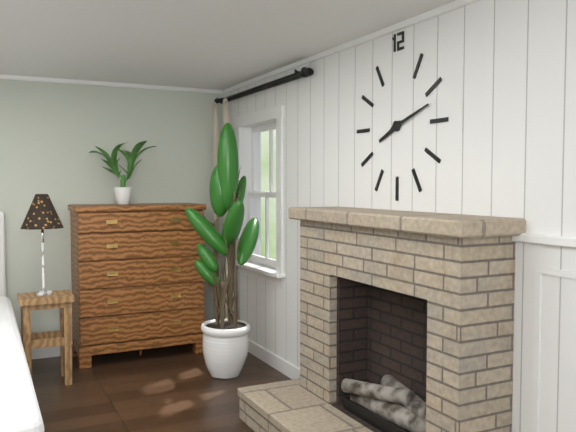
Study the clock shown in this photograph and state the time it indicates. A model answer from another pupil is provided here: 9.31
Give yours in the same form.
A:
8.12
